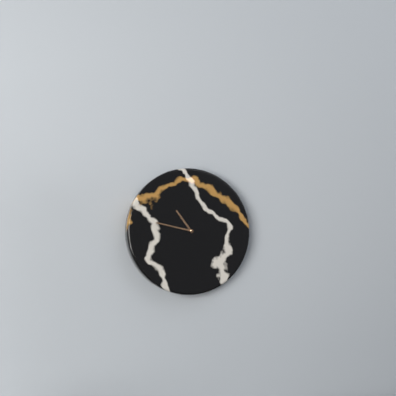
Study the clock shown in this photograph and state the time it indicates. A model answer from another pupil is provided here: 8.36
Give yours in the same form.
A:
10.47
